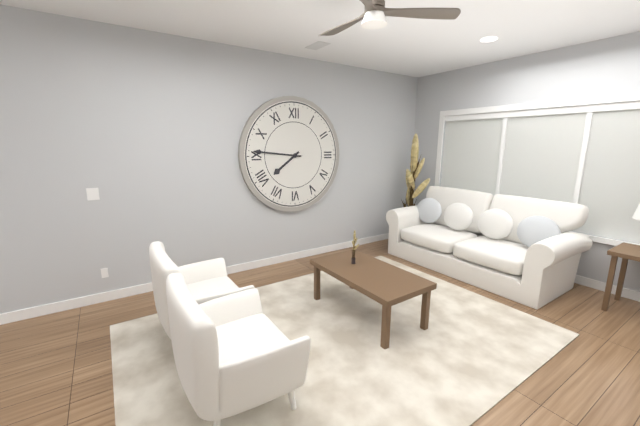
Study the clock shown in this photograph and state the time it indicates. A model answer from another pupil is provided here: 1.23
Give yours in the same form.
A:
7.46
